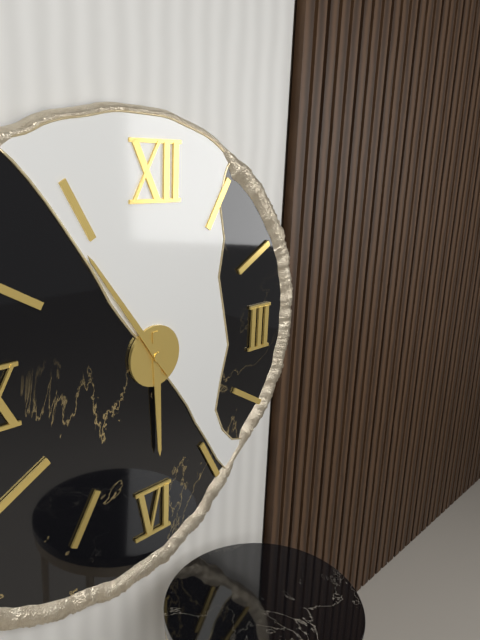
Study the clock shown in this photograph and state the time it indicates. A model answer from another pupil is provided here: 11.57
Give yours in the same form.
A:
5.54
